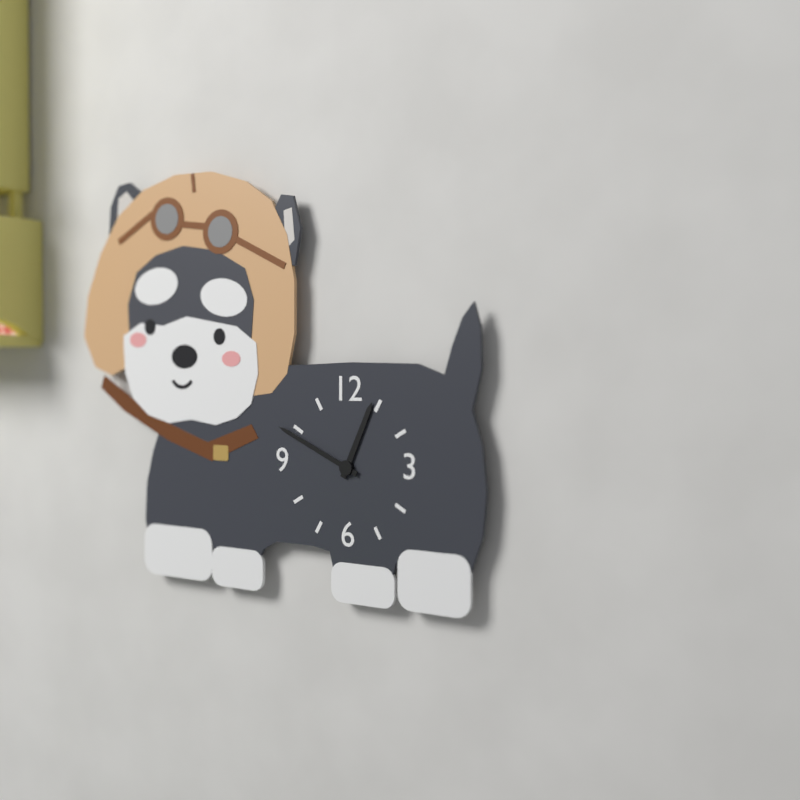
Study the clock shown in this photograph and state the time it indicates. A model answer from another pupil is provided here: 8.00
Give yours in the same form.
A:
12.49
